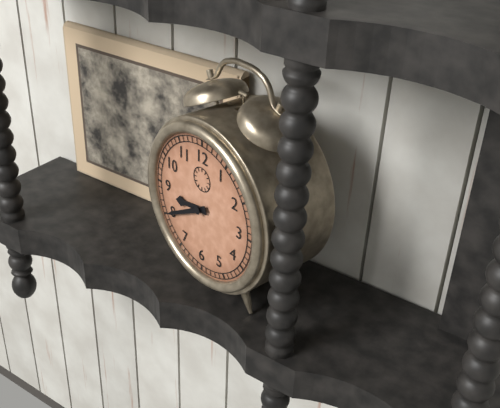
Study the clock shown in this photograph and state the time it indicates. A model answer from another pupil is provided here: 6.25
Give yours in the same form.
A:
8.40
